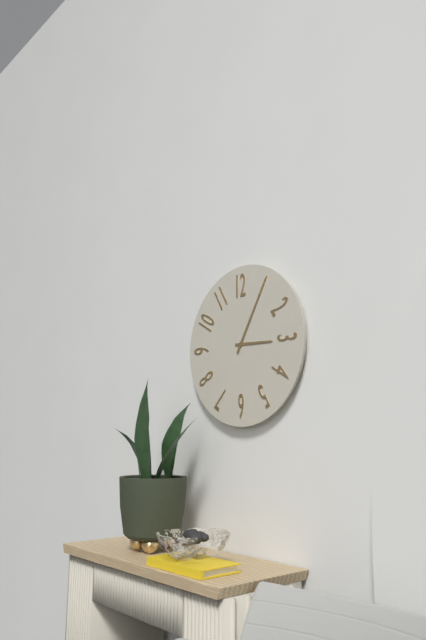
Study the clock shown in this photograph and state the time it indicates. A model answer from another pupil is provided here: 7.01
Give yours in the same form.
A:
3.05
